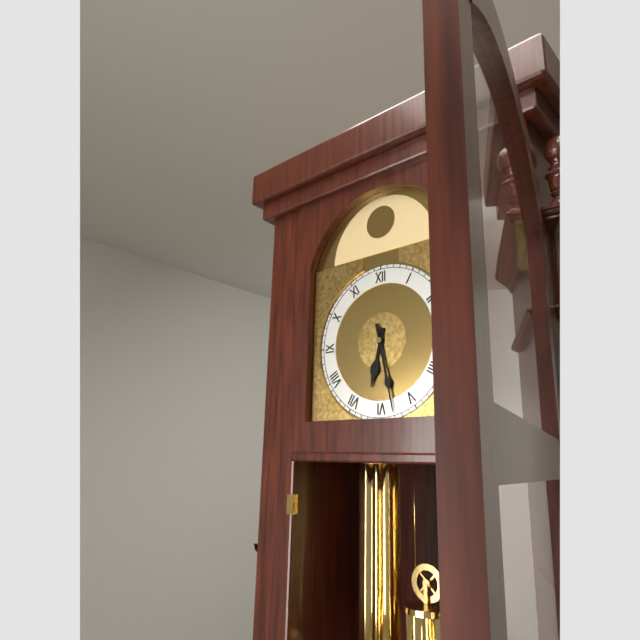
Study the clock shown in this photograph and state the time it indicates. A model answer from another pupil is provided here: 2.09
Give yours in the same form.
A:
6.28
